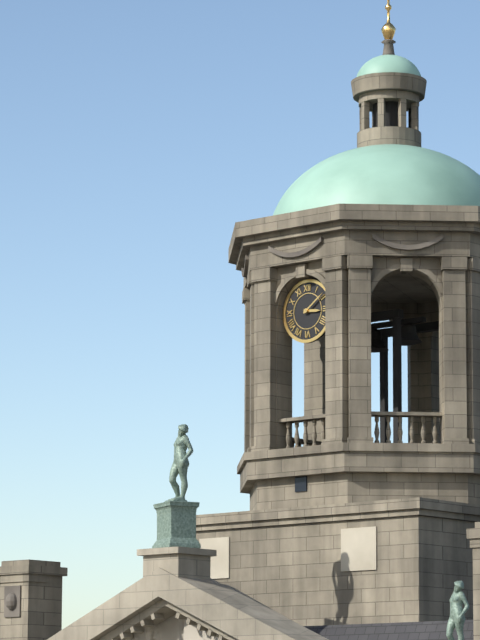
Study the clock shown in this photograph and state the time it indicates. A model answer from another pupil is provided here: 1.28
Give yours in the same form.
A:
3.09
